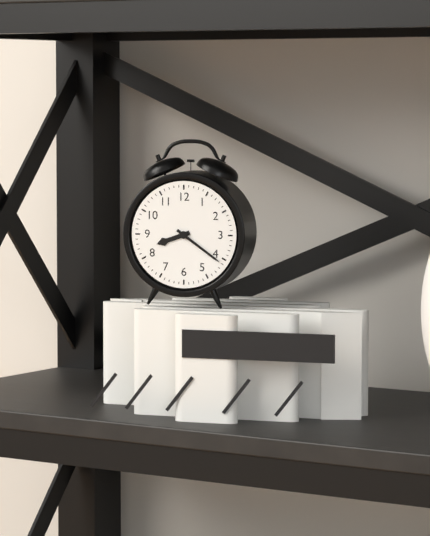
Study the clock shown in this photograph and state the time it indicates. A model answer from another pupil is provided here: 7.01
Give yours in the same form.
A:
8.21
